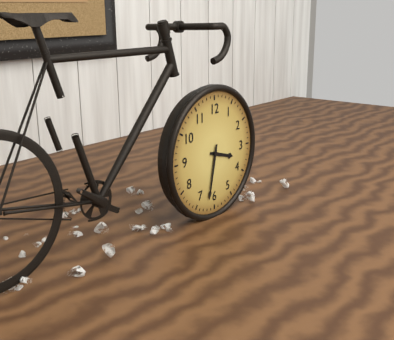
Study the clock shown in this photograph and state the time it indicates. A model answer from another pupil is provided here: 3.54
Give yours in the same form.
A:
3.32
